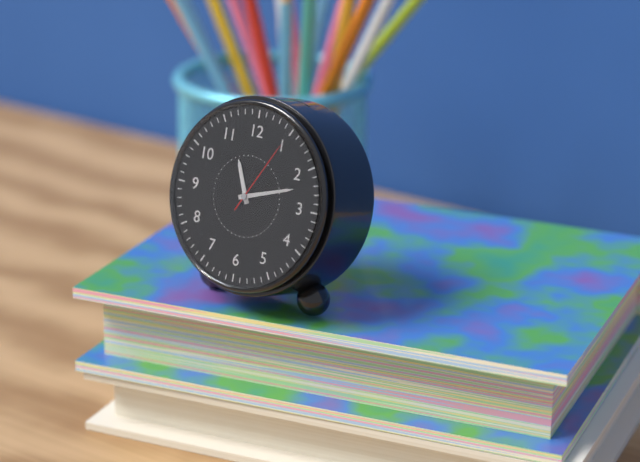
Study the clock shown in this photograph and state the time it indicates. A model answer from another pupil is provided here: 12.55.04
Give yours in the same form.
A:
11.12.05
